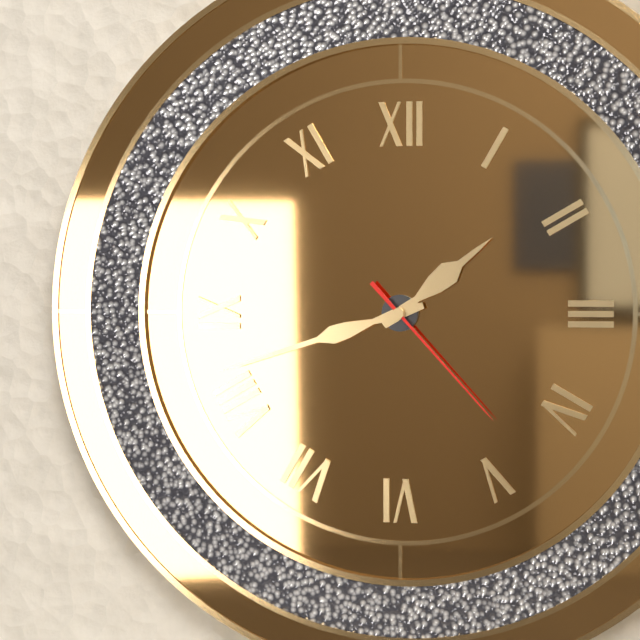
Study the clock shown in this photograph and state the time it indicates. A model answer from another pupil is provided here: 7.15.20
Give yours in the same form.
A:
1.42.23
